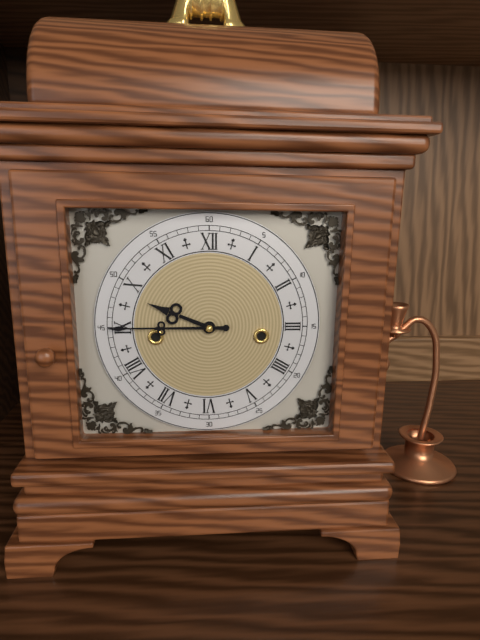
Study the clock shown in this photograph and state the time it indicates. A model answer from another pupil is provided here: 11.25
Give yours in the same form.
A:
9.45
